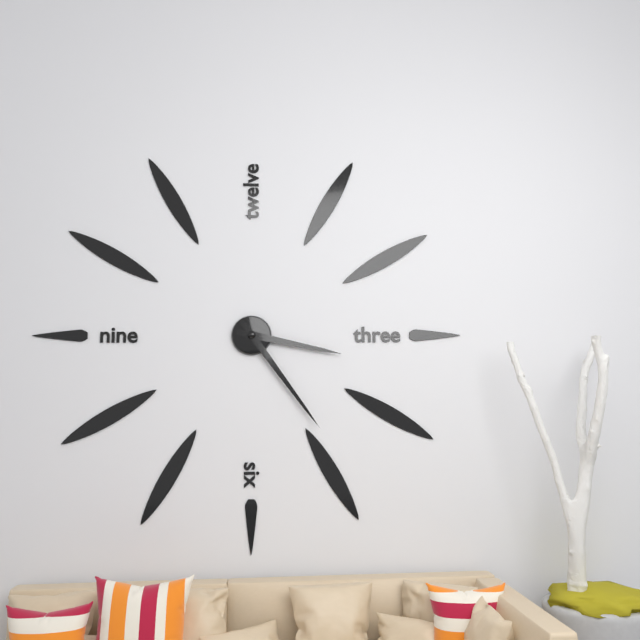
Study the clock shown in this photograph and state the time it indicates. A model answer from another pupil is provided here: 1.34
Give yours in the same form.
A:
3.24
